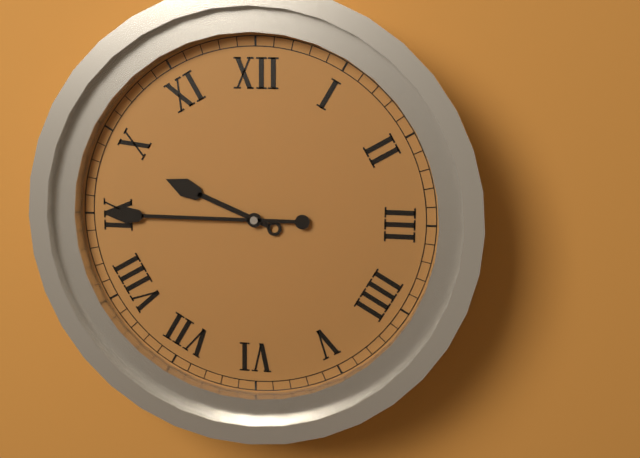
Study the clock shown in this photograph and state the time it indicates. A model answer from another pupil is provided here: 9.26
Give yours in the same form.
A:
9.45
